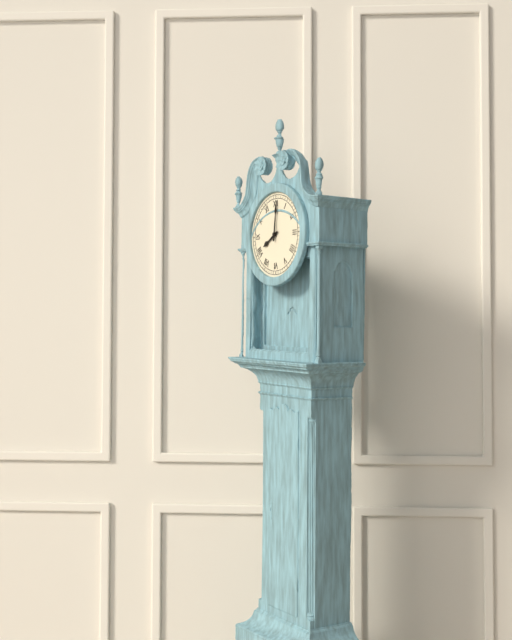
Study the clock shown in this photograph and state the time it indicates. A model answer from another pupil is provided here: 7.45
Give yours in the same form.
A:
8.01
